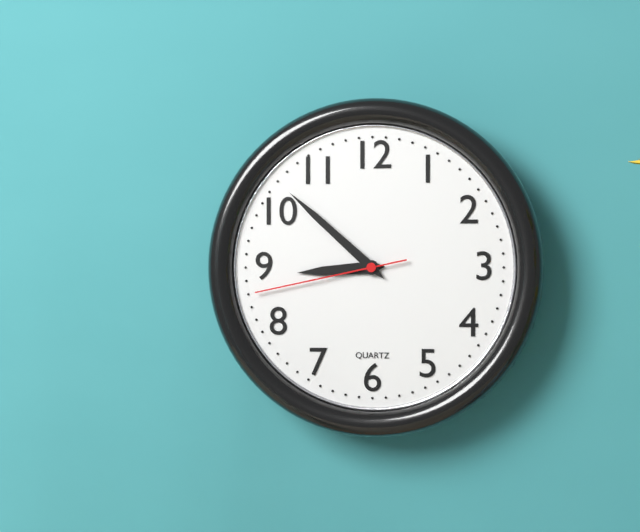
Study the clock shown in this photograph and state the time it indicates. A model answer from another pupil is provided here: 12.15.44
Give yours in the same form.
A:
8.52.43
